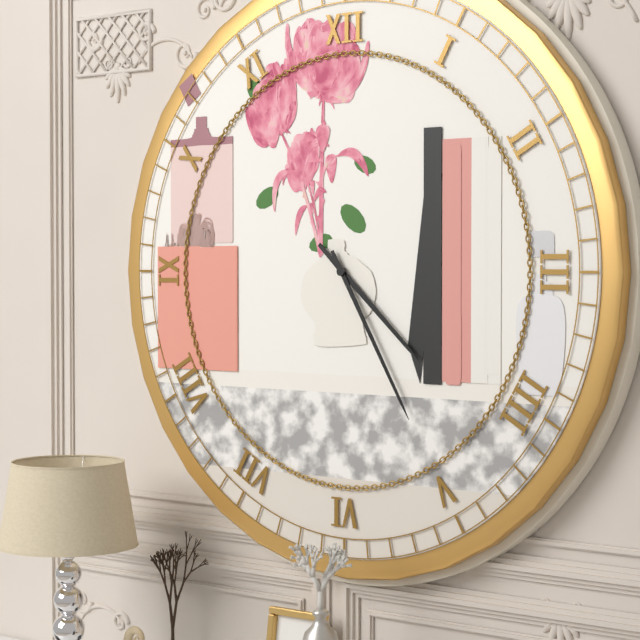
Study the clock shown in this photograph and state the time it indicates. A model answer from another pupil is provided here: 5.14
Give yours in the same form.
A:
4.25
